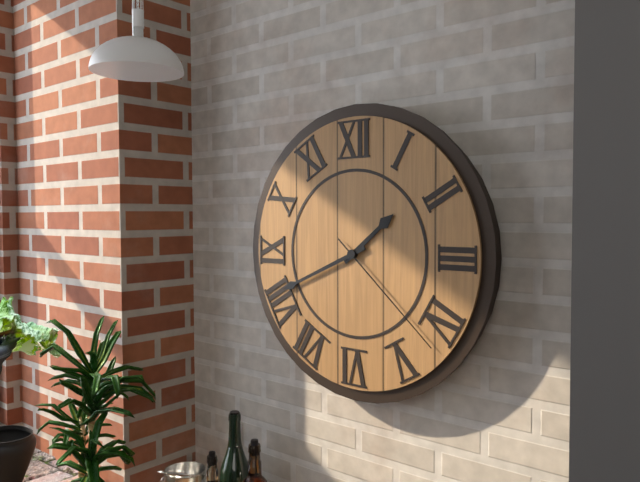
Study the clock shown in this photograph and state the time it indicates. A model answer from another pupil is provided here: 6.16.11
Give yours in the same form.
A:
1.41.22
